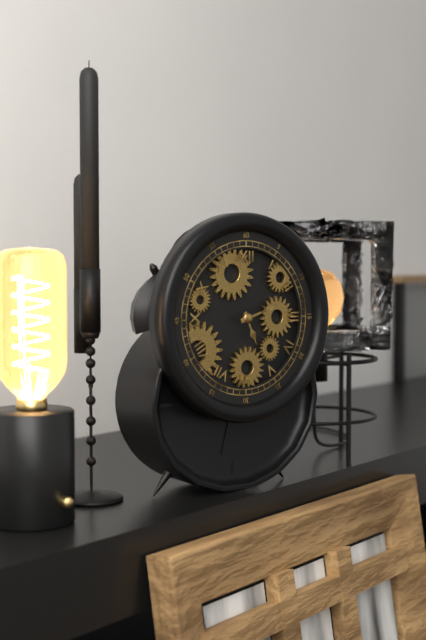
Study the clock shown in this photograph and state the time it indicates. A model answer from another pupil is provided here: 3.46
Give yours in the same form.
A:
5.12
